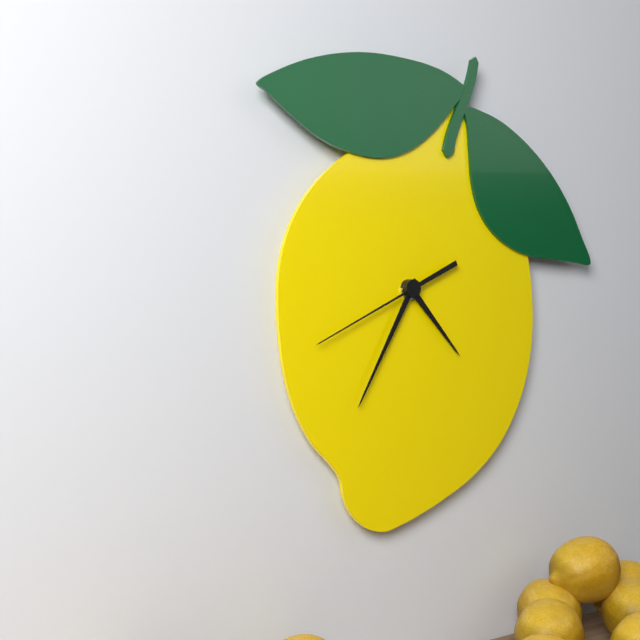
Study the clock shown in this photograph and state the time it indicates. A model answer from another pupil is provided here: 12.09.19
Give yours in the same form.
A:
4.35.41
